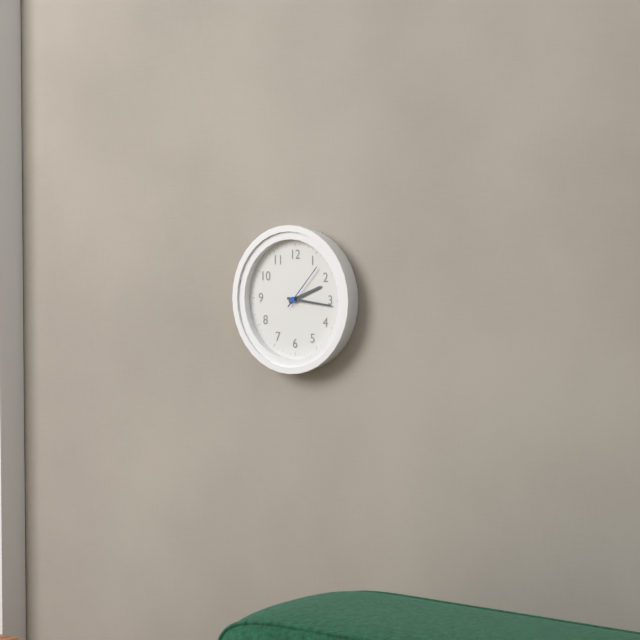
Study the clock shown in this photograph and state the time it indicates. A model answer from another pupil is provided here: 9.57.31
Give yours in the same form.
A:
2.16.07
